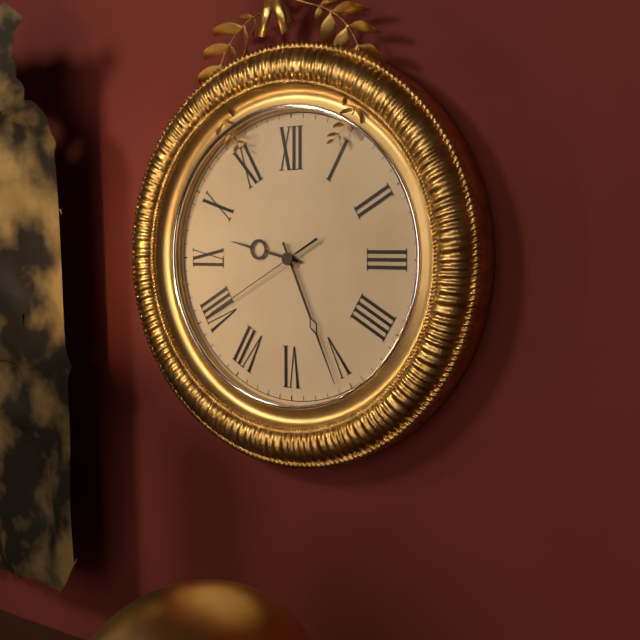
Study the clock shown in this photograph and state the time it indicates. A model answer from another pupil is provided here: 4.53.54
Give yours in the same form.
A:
9.26.40
